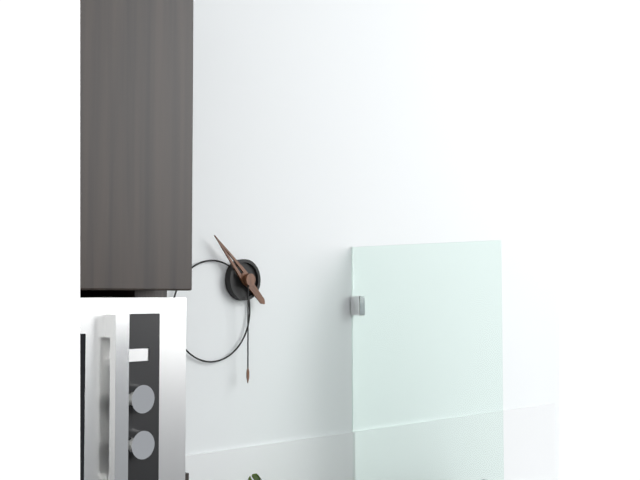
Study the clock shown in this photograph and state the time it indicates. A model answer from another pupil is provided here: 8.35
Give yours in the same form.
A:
10.30
